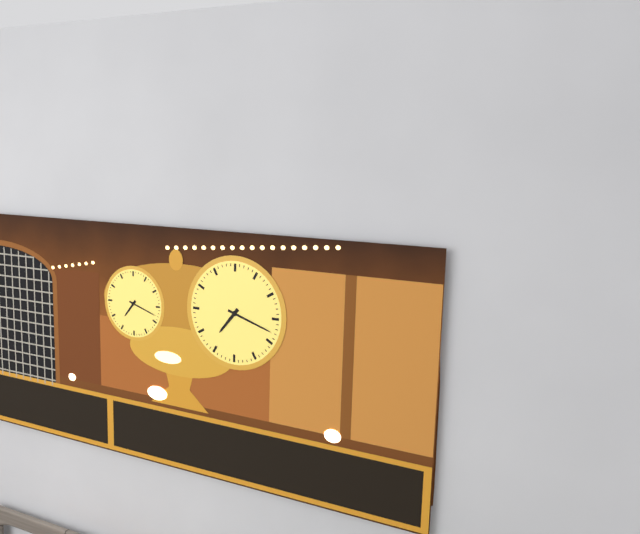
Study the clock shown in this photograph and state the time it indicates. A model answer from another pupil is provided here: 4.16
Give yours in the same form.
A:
7.18
